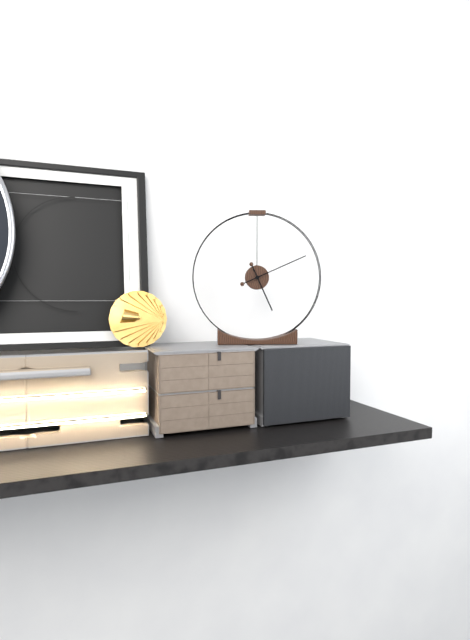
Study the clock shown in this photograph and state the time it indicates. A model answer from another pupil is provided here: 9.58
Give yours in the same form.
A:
5.11
